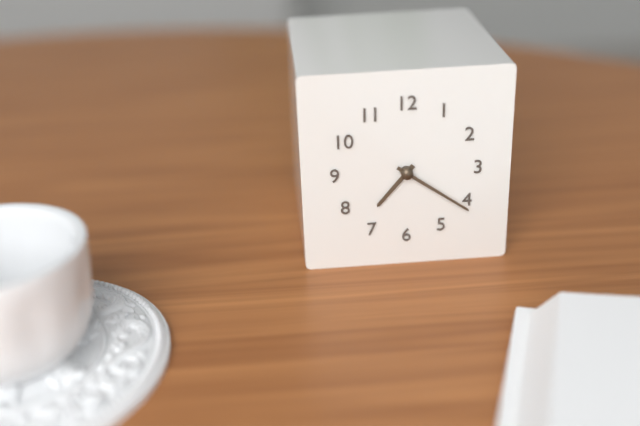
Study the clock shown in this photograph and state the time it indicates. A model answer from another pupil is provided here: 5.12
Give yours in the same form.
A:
7.21
